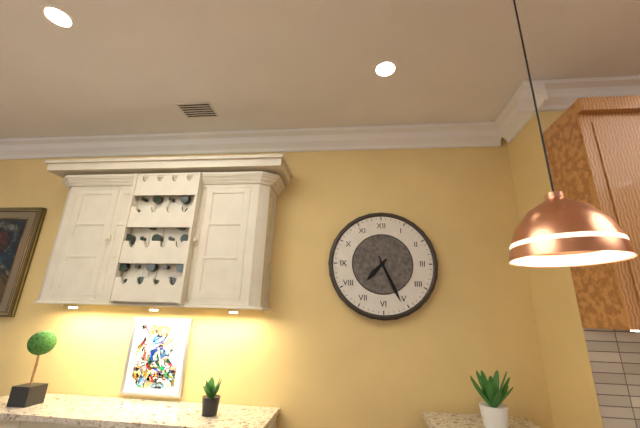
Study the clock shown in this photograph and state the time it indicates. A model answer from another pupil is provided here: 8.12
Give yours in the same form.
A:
7.26
